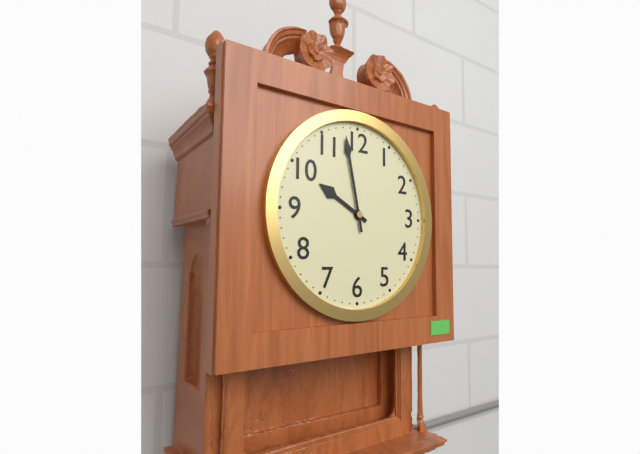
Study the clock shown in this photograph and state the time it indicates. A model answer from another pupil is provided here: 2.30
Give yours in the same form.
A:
9.58
